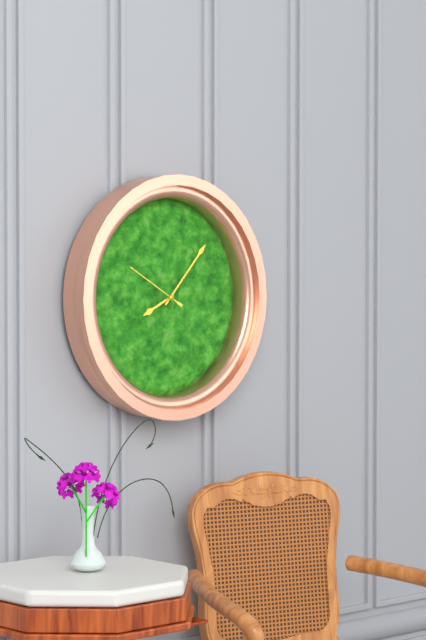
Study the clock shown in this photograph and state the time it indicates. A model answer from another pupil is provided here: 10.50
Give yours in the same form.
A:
8.07
